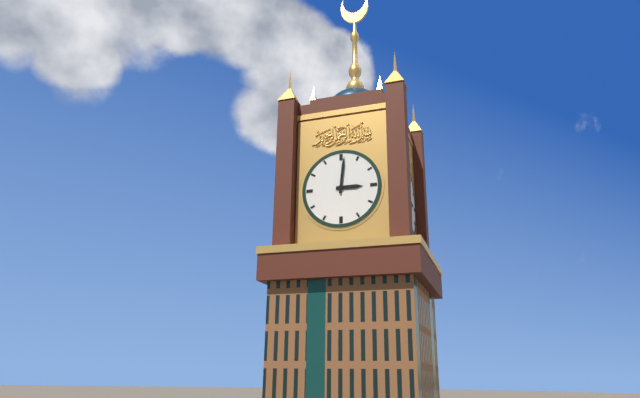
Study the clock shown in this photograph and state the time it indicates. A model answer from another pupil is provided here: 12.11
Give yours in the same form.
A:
3.01
